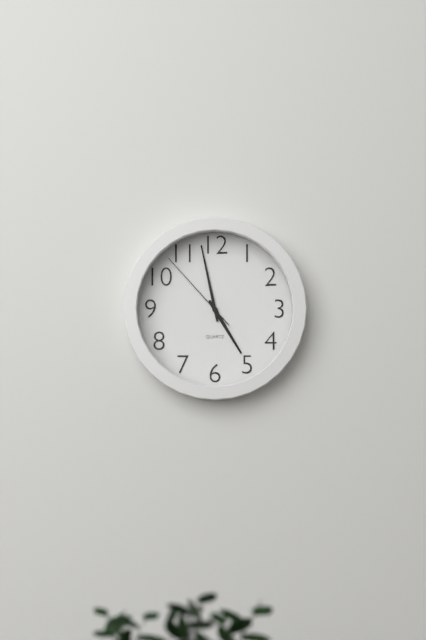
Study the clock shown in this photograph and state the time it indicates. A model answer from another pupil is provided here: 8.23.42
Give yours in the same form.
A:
4.58.53
